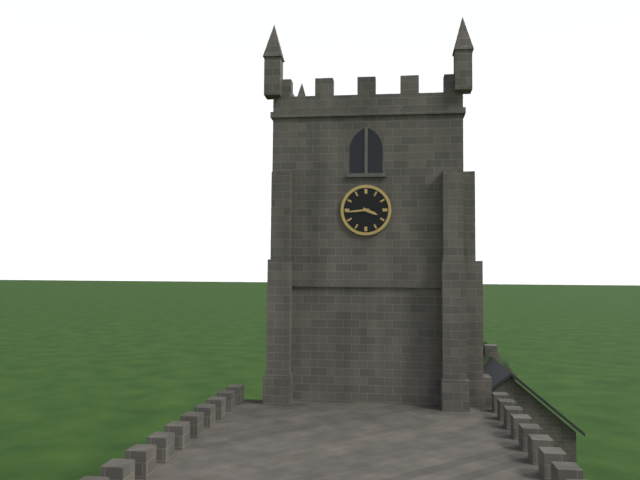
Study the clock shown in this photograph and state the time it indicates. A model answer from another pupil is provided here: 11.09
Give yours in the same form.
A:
3.44
